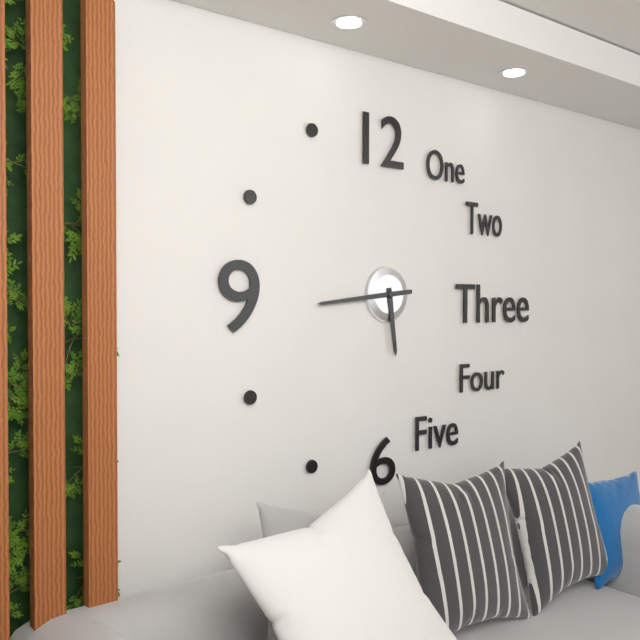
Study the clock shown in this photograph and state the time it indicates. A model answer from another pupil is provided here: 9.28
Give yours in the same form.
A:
5.44
